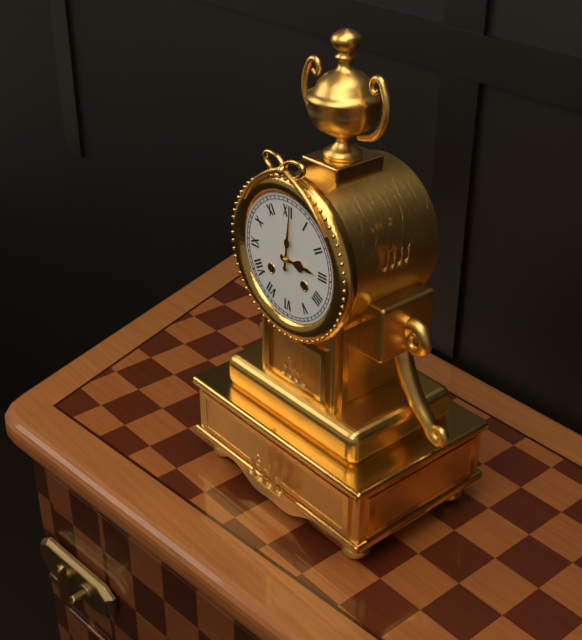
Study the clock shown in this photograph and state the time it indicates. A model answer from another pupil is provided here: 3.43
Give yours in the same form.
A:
3.01
